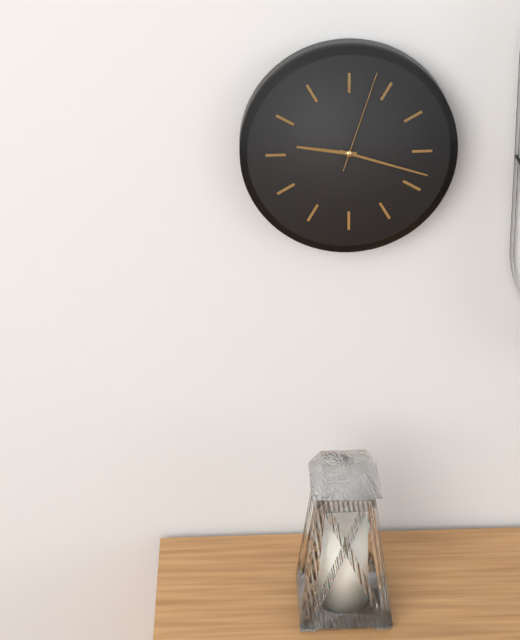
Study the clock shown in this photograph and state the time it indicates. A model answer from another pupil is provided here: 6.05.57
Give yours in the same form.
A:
9.18.03
